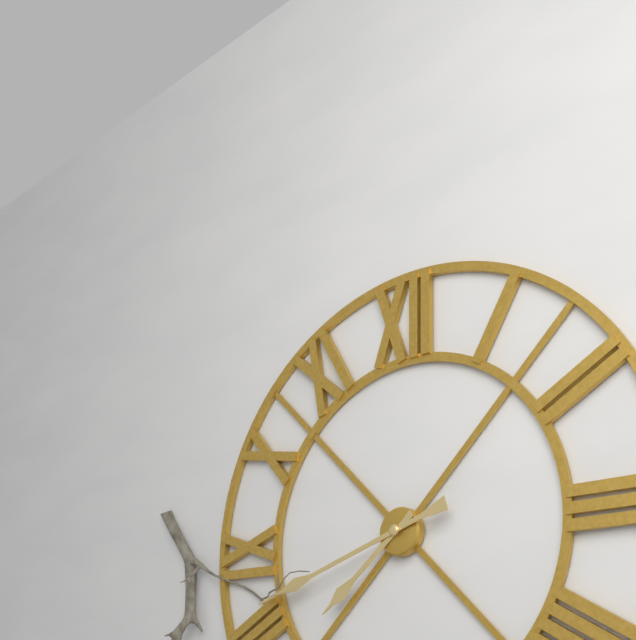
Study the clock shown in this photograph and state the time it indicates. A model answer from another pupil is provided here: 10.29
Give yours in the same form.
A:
7.42
